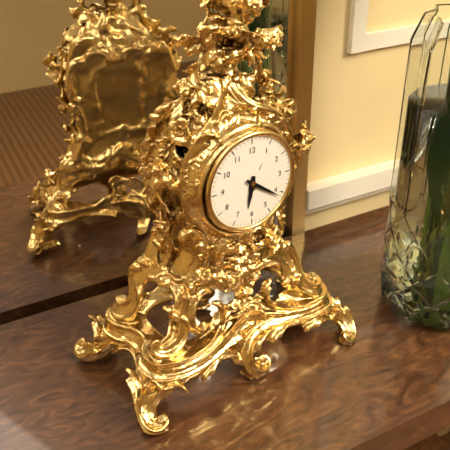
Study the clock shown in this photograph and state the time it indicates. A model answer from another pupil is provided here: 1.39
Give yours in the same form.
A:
6.21
